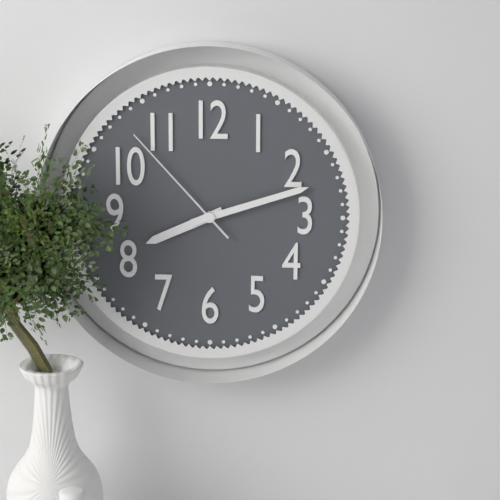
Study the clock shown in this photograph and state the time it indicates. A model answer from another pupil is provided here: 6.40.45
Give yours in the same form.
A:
8.12.53
